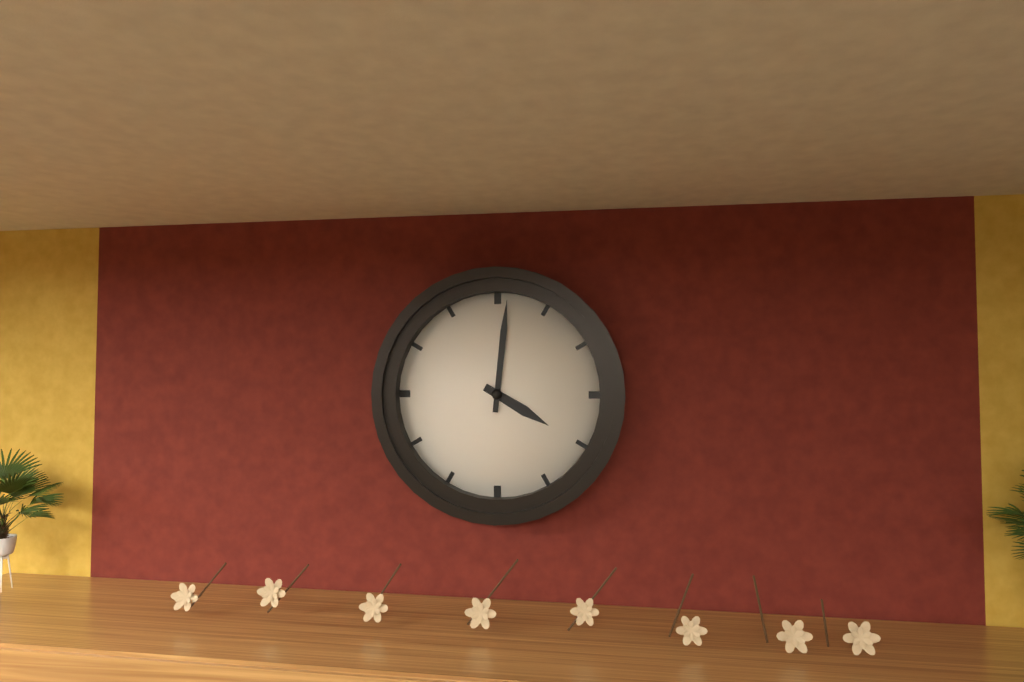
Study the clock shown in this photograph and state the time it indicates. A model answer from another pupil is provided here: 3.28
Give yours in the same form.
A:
4.01
